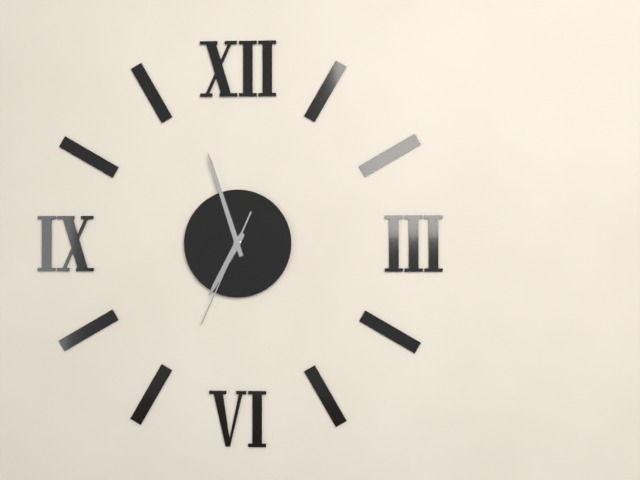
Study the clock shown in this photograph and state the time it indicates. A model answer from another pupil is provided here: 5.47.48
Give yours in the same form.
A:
6.57.34
